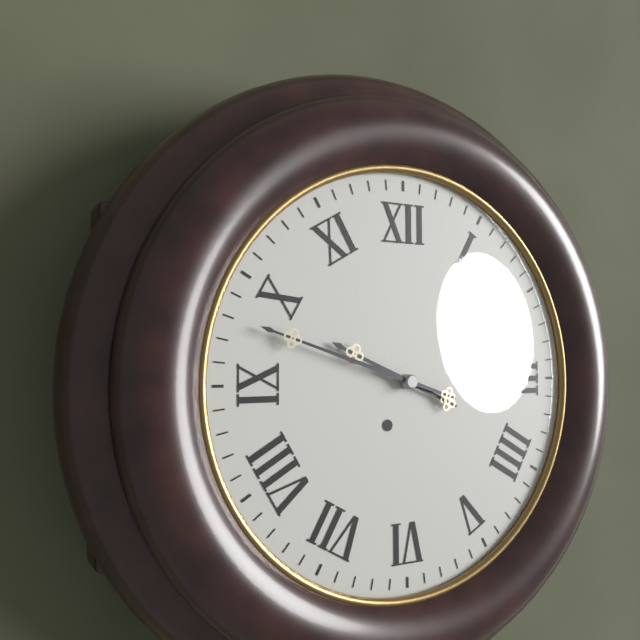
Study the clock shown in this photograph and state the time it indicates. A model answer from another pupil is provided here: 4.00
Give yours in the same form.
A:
9.48
